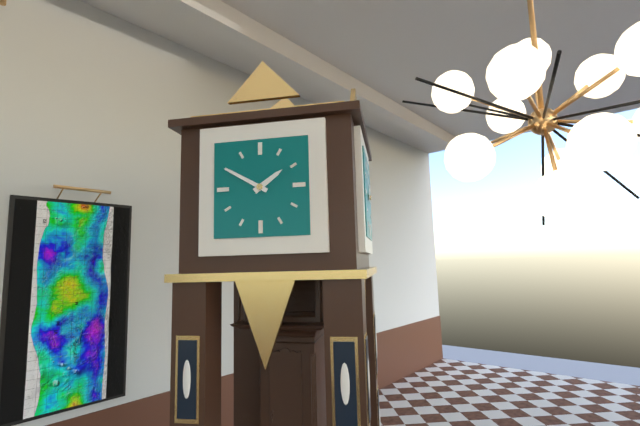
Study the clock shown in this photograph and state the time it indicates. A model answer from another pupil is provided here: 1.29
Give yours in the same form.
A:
1.50
